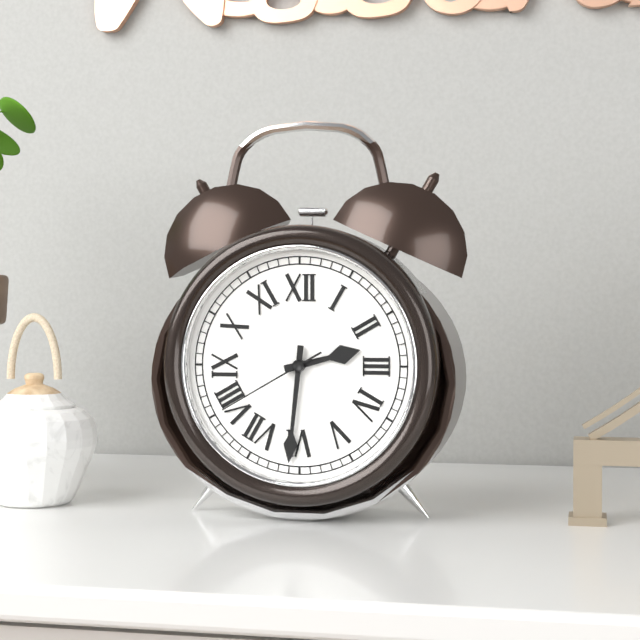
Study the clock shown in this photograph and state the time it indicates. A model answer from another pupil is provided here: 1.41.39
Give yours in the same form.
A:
2.31.40
